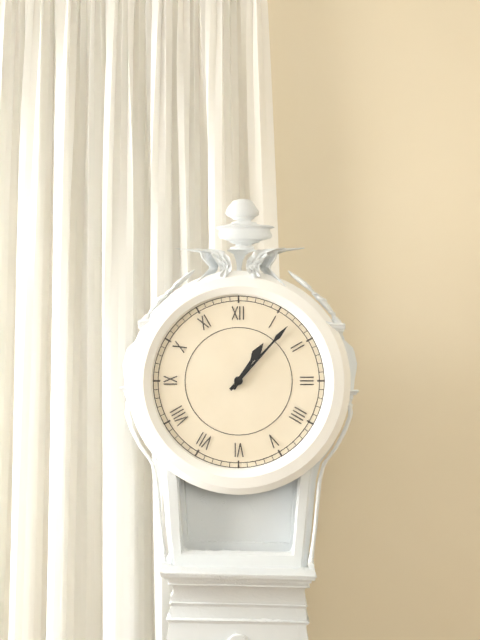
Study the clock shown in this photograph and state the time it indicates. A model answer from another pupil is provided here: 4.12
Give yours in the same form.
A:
1.07
